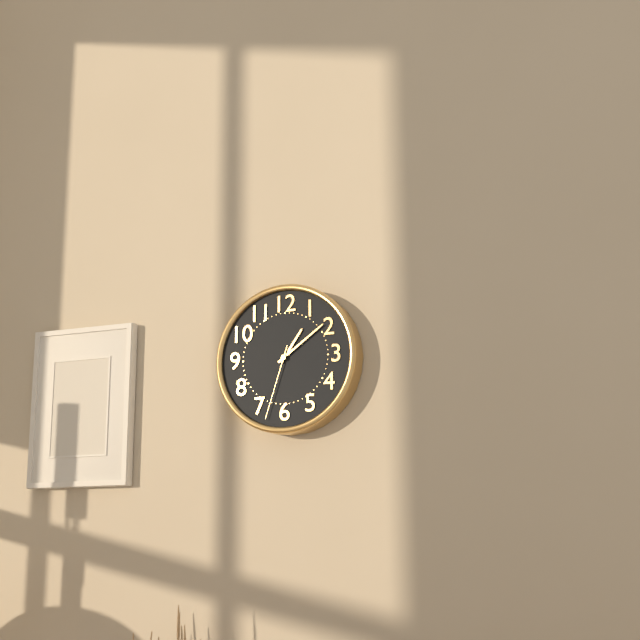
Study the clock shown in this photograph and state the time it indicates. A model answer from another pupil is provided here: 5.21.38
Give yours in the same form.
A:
1.09.33
